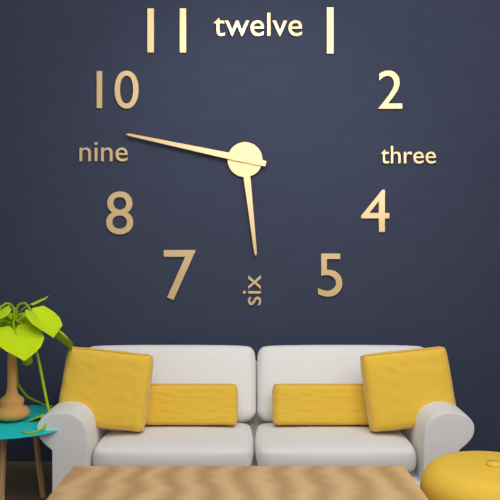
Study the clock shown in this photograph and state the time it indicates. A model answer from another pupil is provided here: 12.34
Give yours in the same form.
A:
5.47
